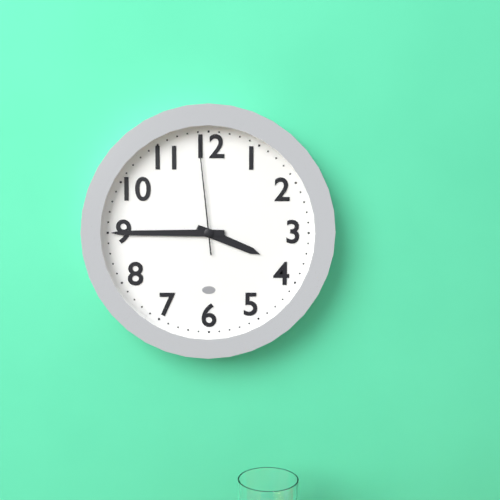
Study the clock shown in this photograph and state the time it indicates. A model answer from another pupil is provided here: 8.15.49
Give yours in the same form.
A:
3.45.59
